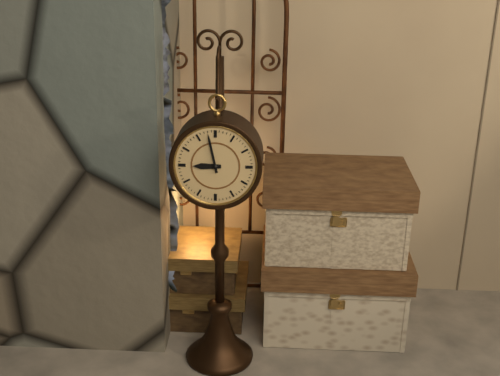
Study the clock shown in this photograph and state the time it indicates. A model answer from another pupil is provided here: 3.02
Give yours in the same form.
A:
8.58
